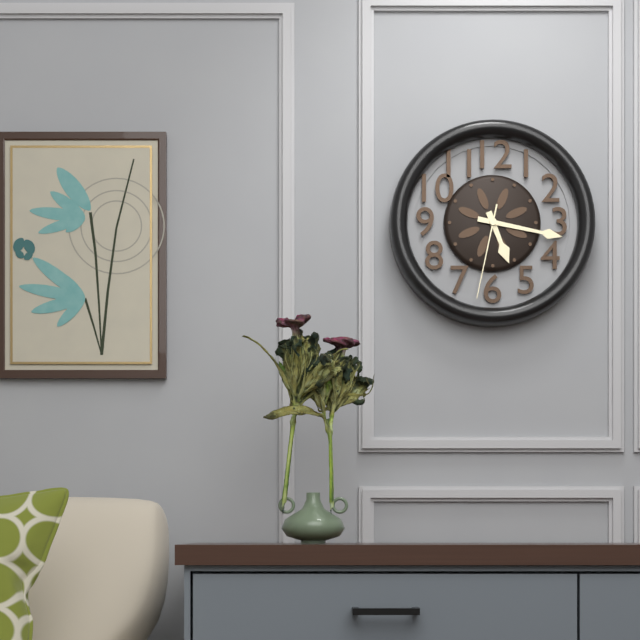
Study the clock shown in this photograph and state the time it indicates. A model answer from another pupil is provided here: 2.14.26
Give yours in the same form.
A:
5.17.32
